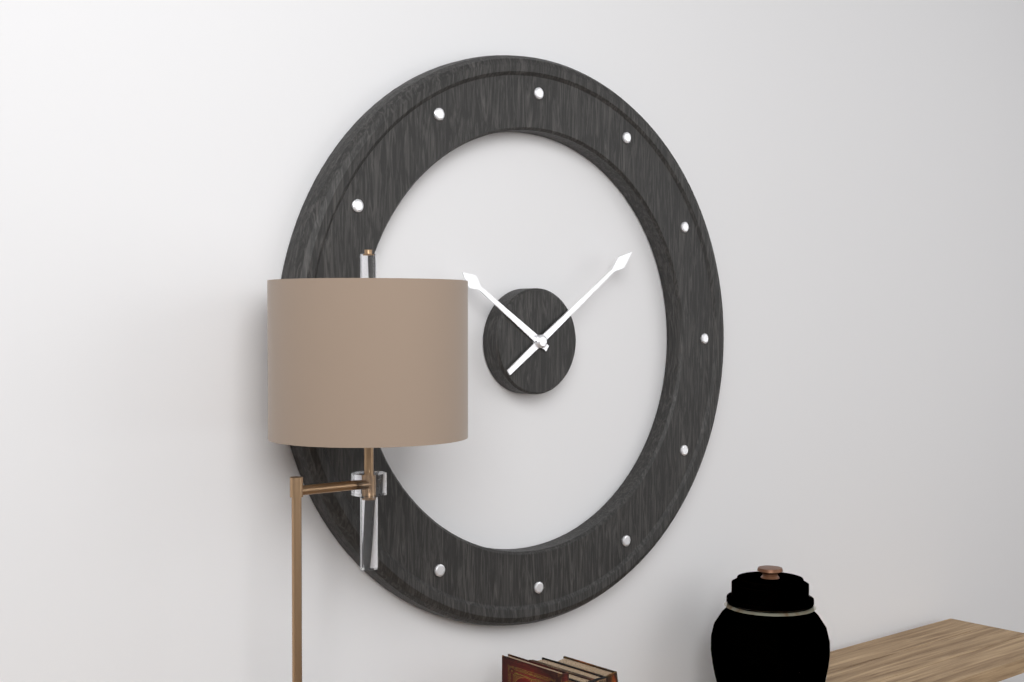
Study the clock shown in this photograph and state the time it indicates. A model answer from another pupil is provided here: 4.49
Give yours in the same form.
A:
10.09
